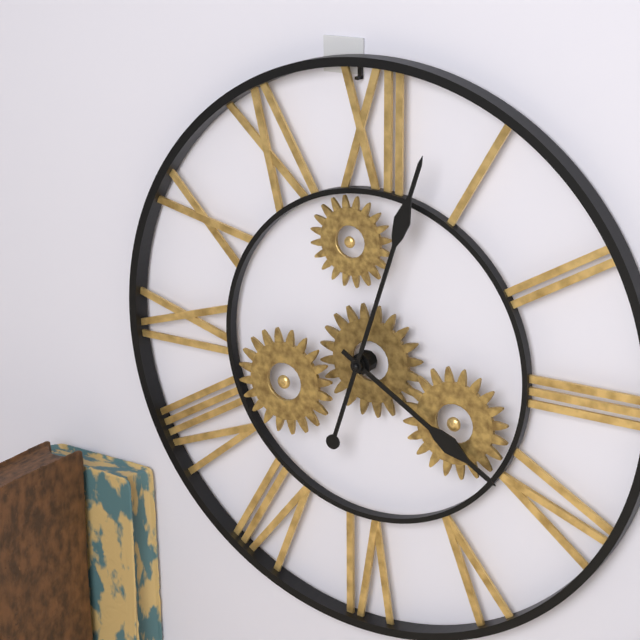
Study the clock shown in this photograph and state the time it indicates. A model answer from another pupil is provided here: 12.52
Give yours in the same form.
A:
4.03
